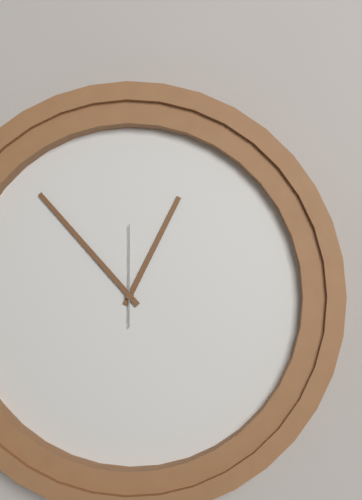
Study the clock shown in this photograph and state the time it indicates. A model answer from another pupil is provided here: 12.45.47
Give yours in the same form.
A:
12.53.00
